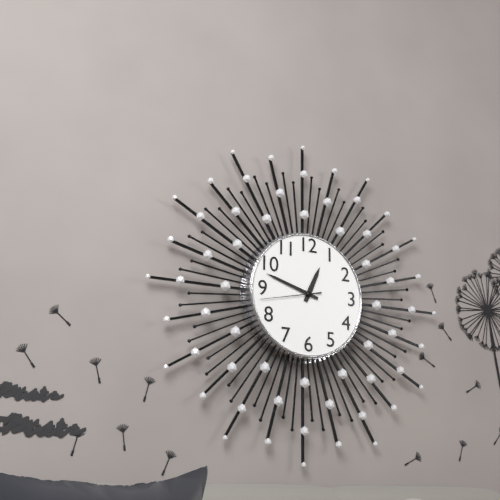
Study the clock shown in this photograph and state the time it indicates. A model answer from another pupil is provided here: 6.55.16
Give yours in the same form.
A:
12.48.43
